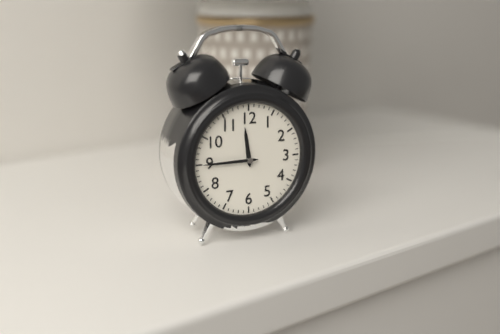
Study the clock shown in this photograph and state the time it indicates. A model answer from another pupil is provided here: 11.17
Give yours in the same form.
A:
11.45
